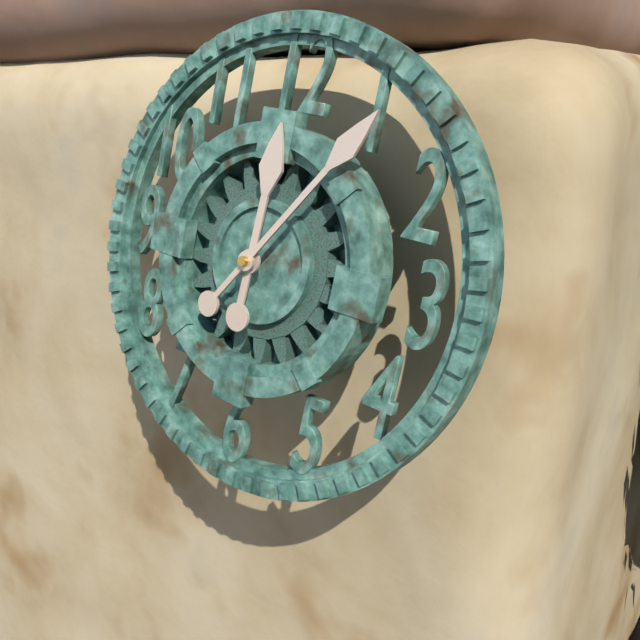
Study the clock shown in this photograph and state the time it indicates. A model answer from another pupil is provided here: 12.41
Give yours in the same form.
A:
12.06
